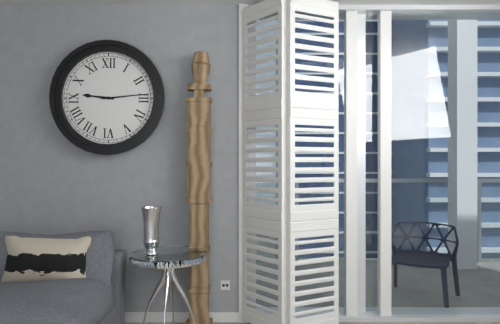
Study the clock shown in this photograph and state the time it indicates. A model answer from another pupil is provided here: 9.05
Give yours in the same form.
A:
9.14
